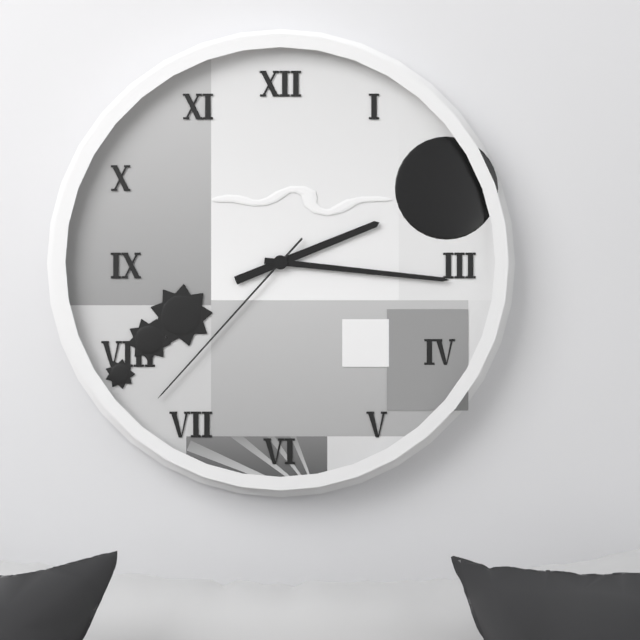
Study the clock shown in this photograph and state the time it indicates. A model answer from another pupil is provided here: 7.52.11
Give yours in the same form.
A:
2.16.37
